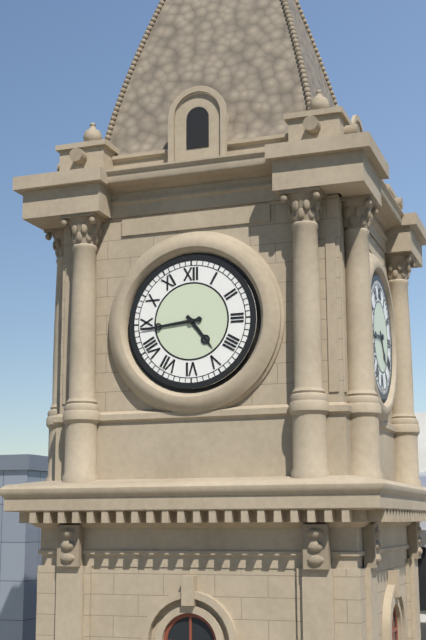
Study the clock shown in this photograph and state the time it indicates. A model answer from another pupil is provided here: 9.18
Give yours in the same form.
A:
4.44
